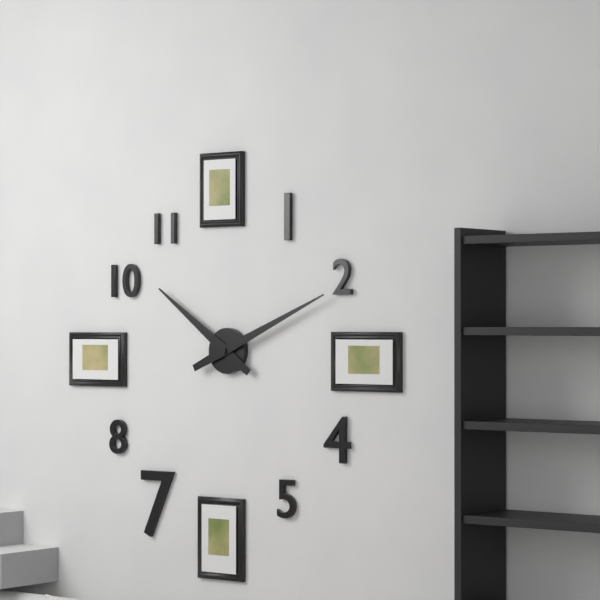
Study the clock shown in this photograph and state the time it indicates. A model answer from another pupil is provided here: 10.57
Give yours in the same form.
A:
10.11
